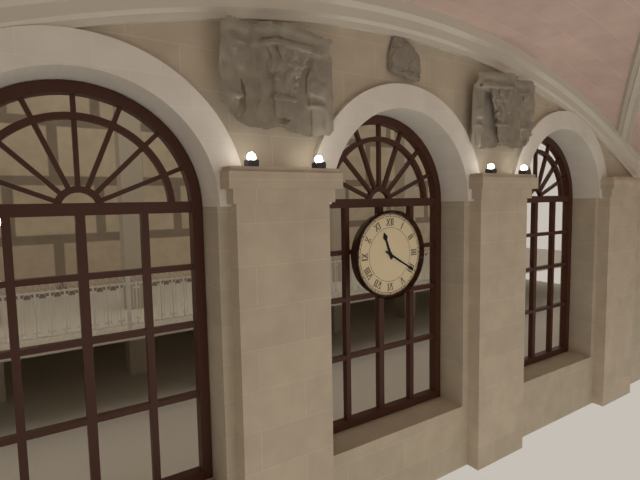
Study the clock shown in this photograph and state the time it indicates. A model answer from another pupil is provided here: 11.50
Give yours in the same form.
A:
11.20
